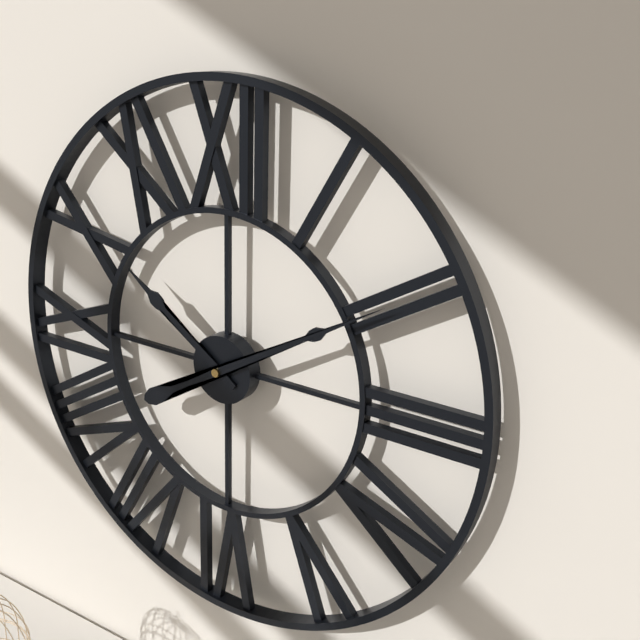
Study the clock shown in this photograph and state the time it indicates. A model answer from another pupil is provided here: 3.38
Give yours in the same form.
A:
10.10
